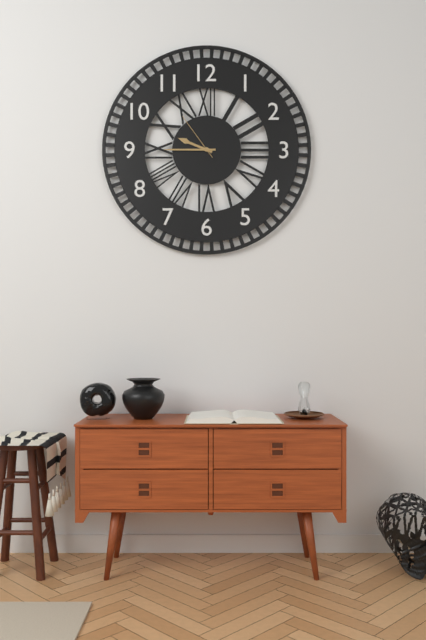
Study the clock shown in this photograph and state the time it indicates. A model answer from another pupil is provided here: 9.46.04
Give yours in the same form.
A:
9.45.54
